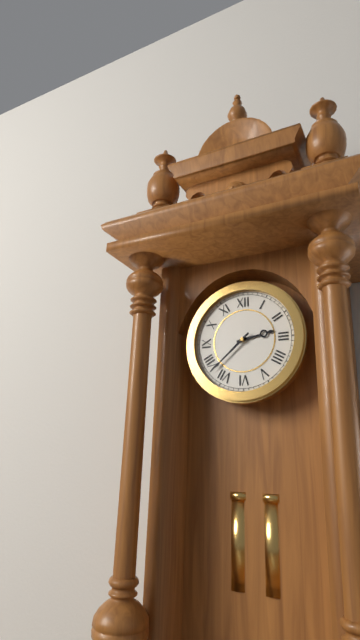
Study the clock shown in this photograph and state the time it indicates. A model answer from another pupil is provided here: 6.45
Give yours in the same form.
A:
2.38
